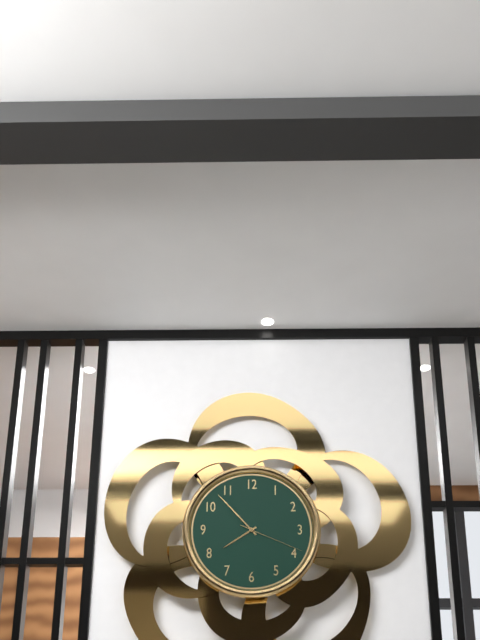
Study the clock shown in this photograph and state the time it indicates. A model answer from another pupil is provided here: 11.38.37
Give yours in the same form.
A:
7.53.19
